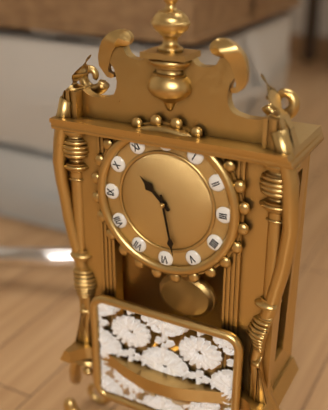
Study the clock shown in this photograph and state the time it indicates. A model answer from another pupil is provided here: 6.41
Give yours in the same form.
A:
10.28
